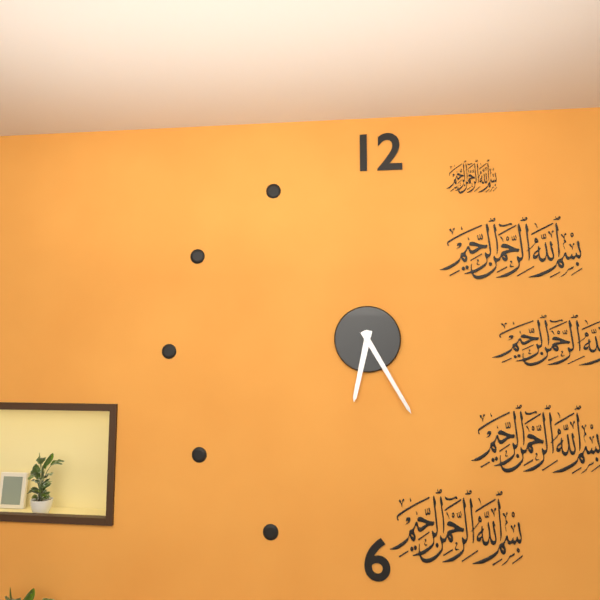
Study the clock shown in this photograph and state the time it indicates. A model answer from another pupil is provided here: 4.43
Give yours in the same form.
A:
6.25
